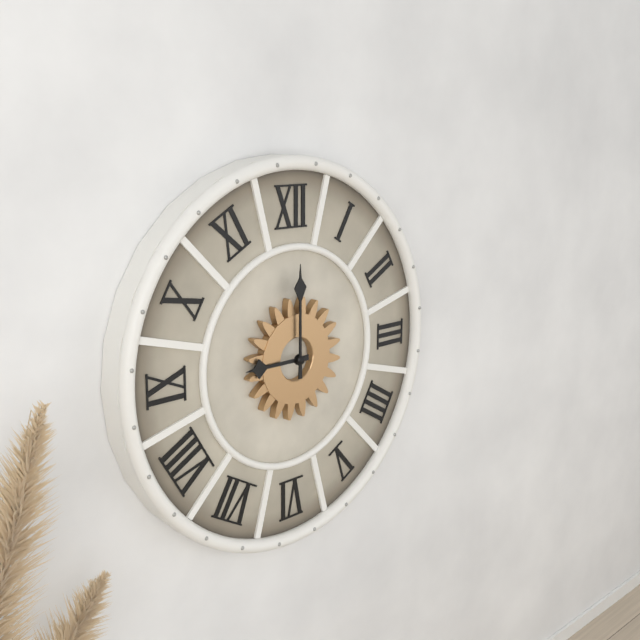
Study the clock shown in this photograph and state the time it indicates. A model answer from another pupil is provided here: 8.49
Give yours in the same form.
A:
9.00
